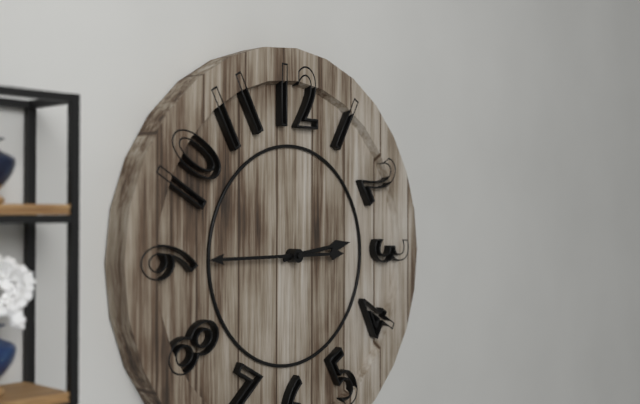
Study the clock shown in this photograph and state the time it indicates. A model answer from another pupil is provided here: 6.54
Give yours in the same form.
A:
2.45
